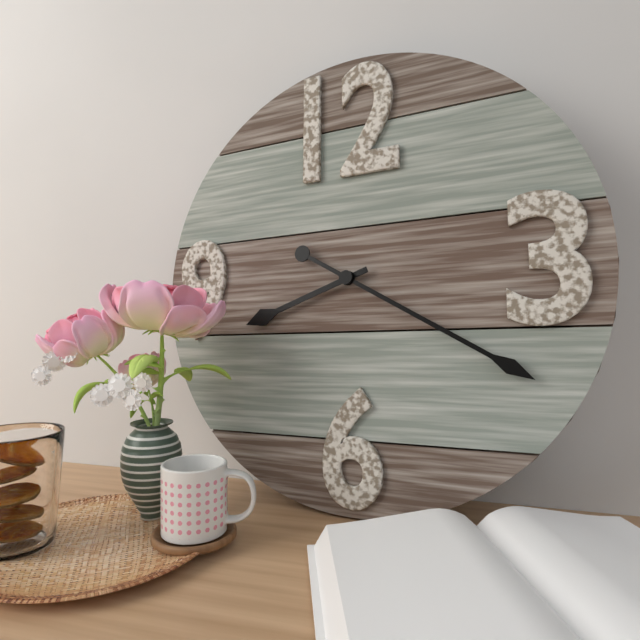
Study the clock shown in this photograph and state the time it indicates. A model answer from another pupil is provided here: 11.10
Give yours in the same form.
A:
8.20
